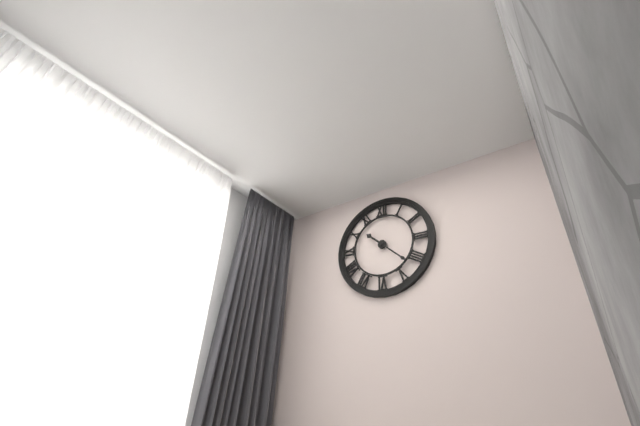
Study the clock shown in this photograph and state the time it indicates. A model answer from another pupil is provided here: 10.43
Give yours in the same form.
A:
10.22
